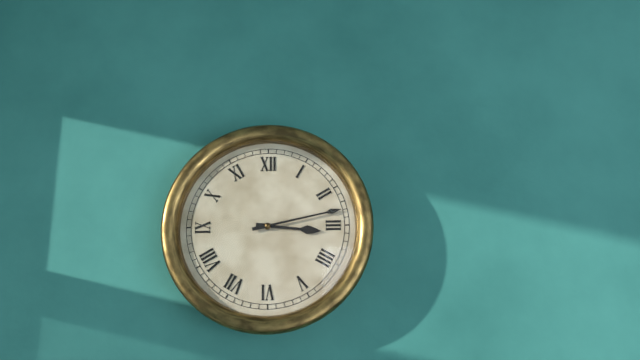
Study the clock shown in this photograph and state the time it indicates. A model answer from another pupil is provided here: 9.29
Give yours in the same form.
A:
3.13
